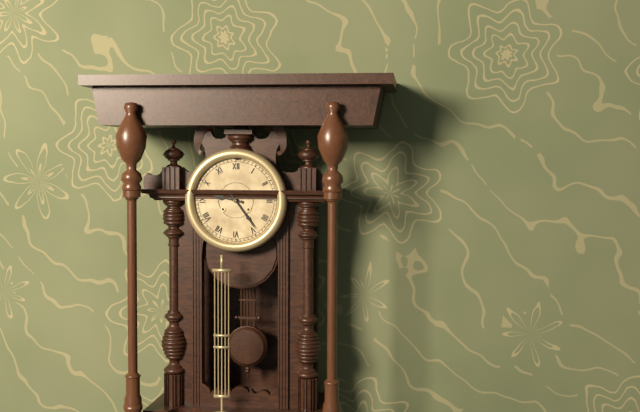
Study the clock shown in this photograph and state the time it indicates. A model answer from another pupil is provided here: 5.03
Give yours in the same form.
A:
9.24
